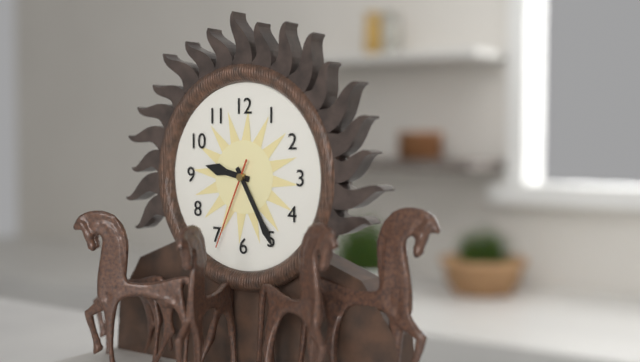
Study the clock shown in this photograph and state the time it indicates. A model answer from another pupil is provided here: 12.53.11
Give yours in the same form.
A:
9.25.34
